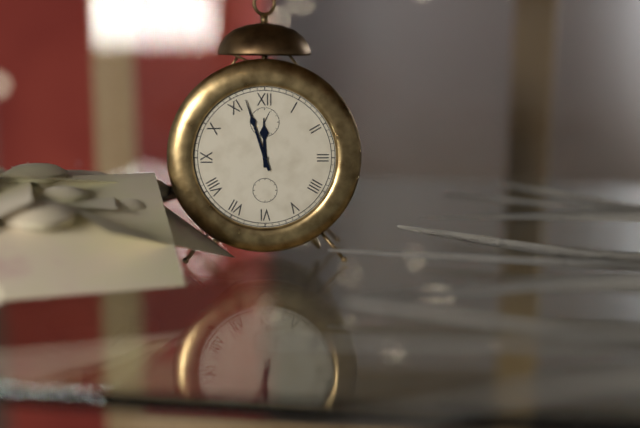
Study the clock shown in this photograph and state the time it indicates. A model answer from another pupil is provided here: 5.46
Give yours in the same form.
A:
11.57
